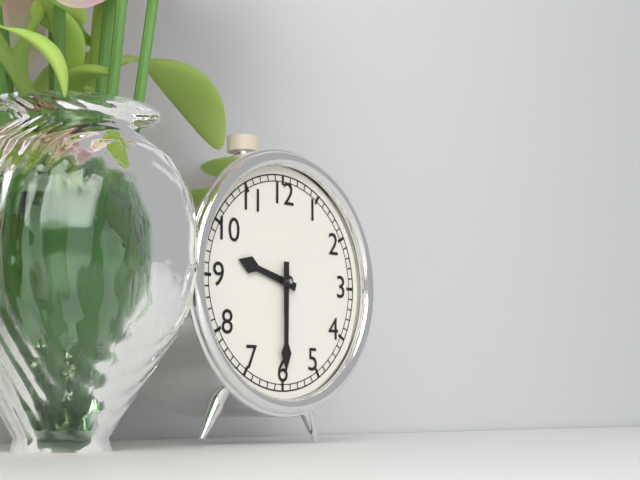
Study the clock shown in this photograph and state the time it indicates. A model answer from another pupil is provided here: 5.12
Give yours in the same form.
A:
9.30
